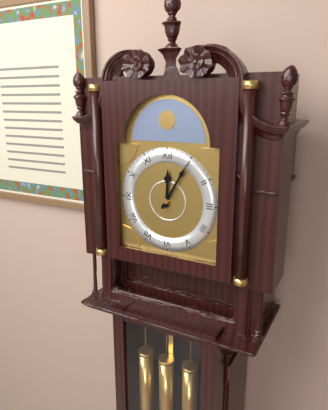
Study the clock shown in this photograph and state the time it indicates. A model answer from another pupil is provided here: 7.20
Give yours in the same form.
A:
12.05
